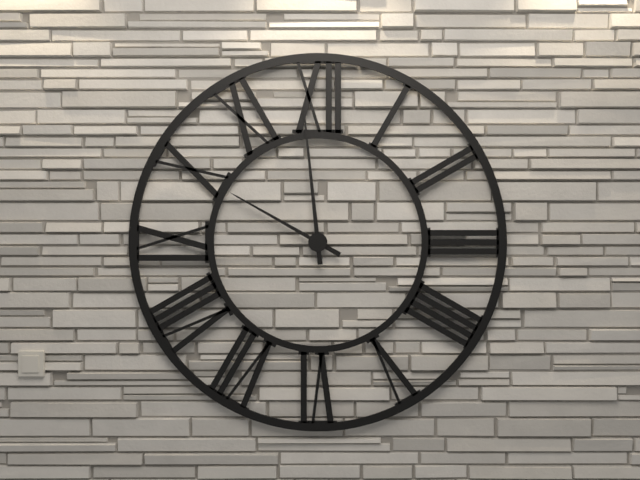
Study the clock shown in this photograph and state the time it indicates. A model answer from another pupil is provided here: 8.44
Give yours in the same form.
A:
9.59
